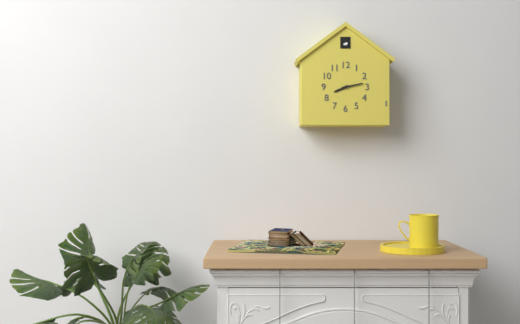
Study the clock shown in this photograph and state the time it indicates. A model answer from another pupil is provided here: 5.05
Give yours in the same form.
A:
8.13
